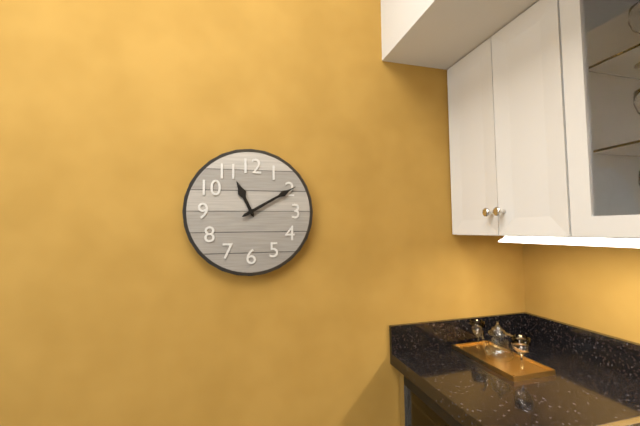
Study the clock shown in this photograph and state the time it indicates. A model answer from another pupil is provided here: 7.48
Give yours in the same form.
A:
11.10
